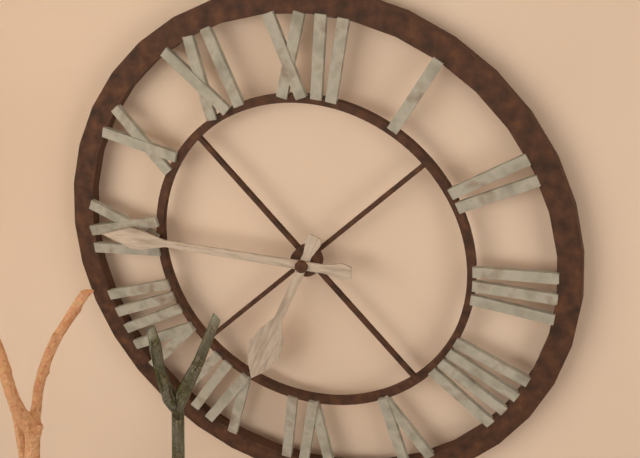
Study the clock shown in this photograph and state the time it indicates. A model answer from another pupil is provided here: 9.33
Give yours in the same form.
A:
6.45
